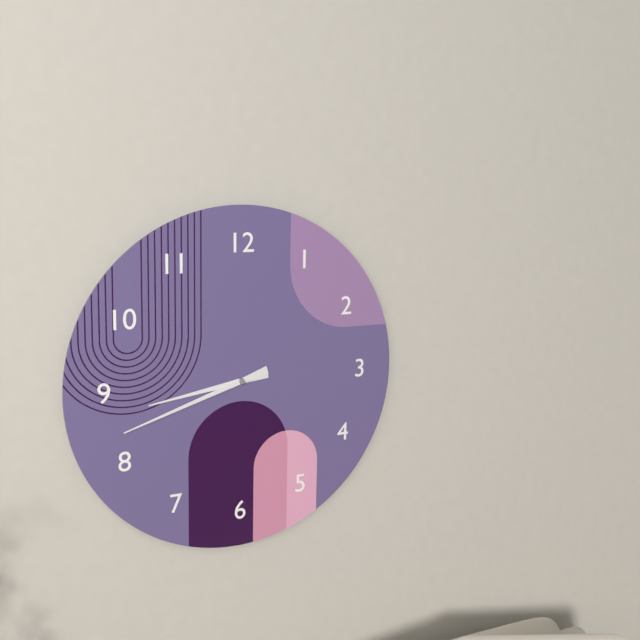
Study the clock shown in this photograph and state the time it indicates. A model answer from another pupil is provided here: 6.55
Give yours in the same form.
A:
8.42
